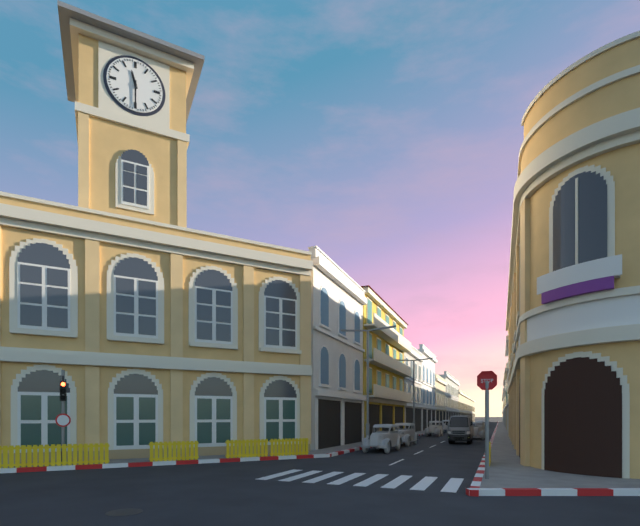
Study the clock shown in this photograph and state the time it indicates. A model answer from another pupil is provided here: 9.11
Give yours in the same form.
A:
11.30
